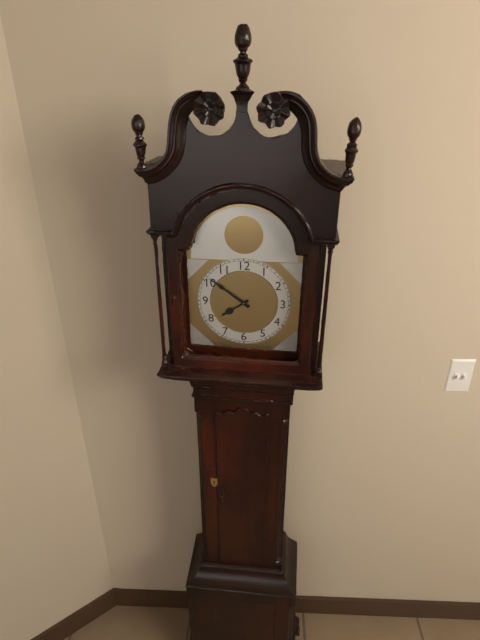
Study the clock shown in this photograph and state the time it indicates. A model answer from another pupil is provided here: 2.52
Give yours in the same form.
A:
7.51
